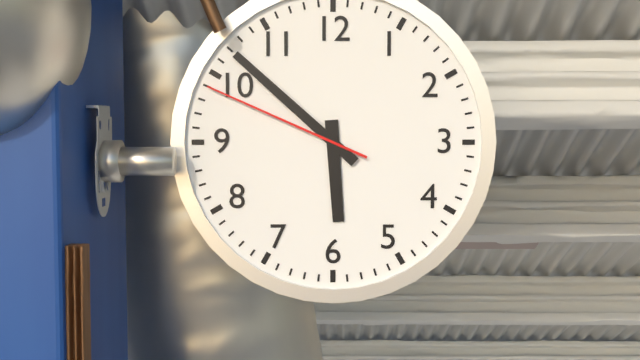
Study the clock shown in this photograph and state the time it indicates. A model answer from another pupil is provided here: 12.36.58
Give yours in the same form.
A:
5.52.49
